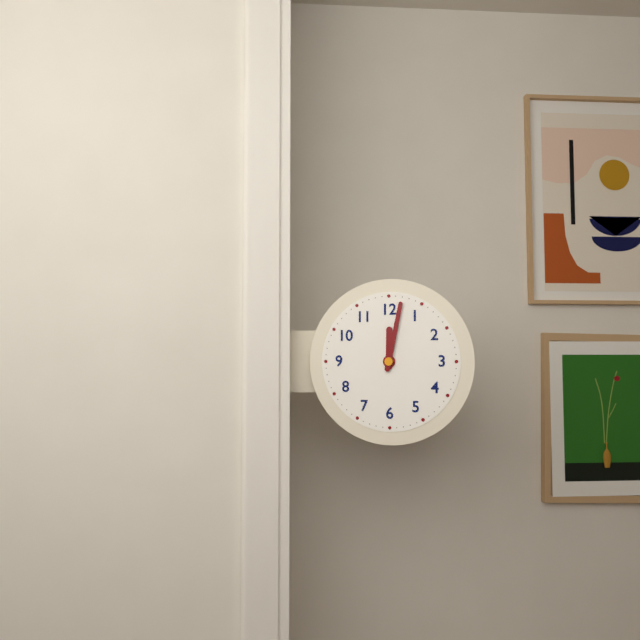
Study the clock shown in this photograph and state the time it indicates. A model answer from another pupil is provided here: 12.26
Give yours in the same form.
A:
12.02
